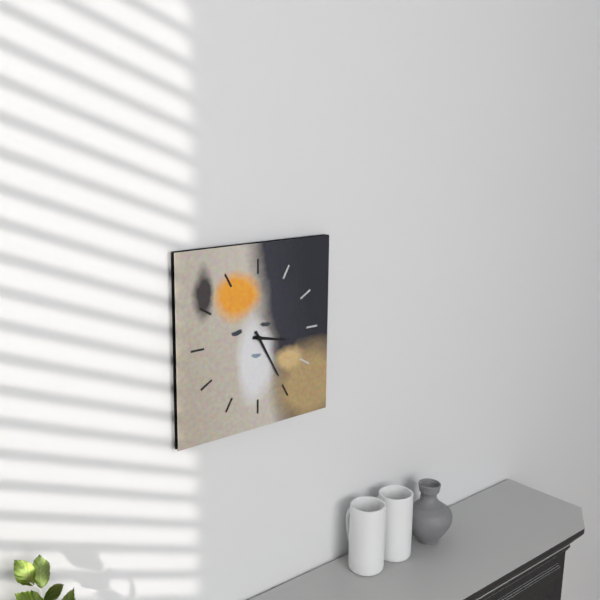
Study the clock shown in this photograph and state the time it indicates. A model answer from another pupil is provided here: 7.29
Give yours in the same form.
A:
3.25
